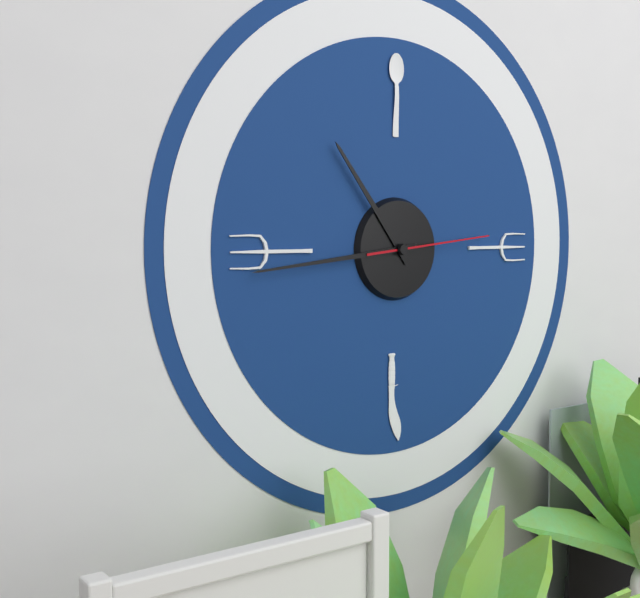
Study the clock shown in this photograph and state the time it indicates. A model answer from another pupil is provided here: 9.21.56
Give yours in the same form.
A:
10.44.14
